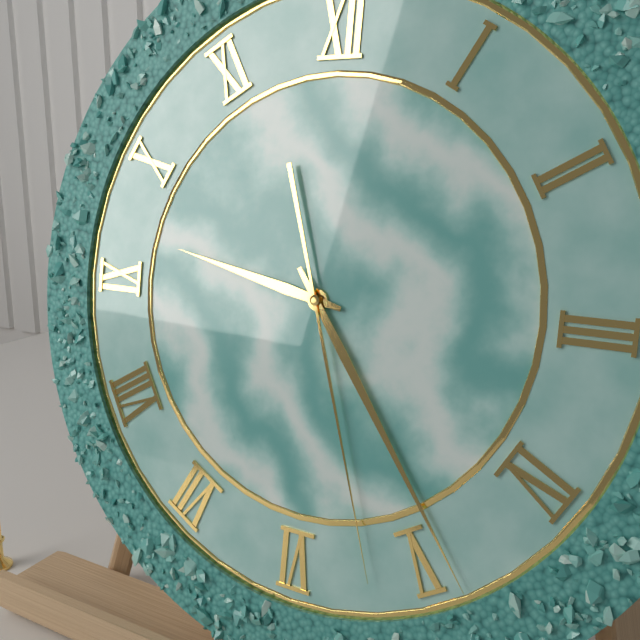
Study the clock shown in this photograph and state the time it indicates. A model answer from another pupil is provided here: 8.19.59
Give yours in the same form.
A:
9.24.27
